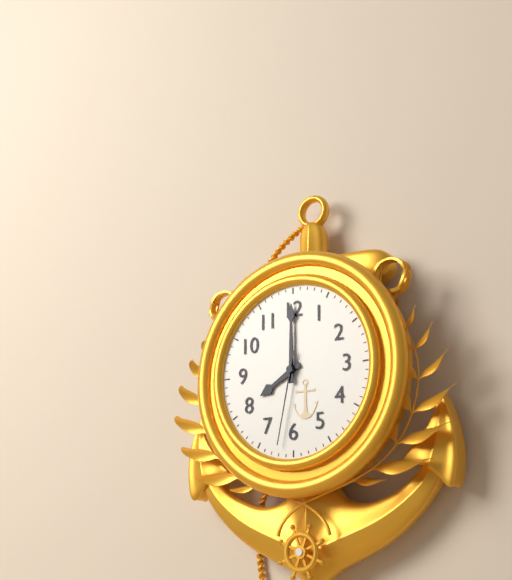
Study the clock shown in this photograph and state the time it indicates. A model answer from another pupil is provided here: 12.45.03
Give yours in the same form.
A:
8.00.32
